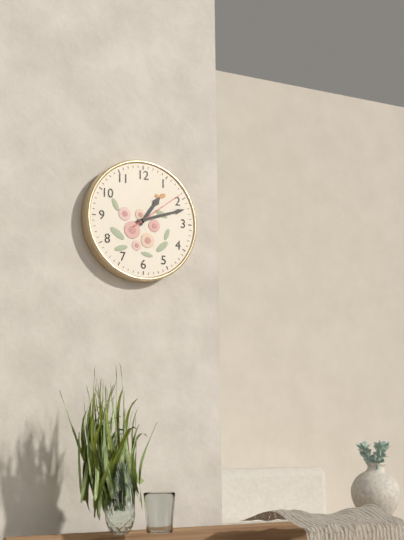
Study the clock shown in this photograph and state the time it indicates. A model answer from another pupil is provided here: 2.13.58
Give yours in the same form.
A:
1.12.09
